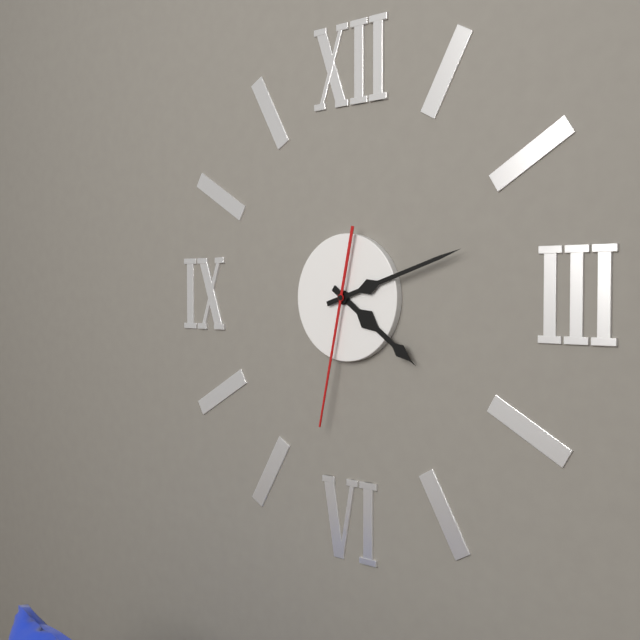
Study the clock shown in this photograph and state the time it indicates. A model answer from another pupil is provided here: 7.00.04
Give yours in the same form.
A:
4.12.32
